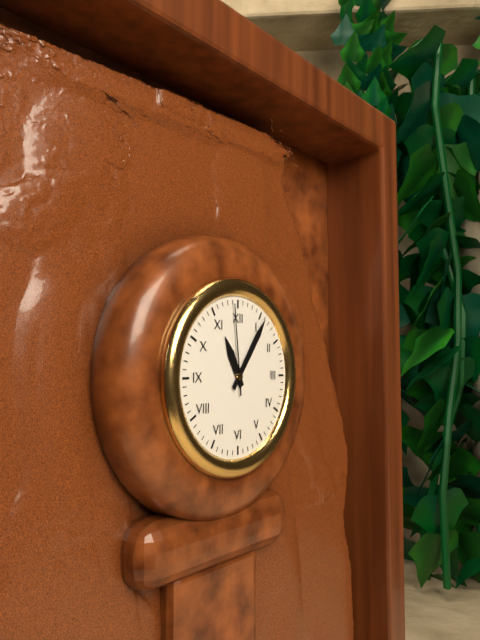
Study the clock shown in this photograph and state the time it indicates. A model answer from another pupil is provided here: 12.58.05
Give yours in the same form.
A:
11.06.59
